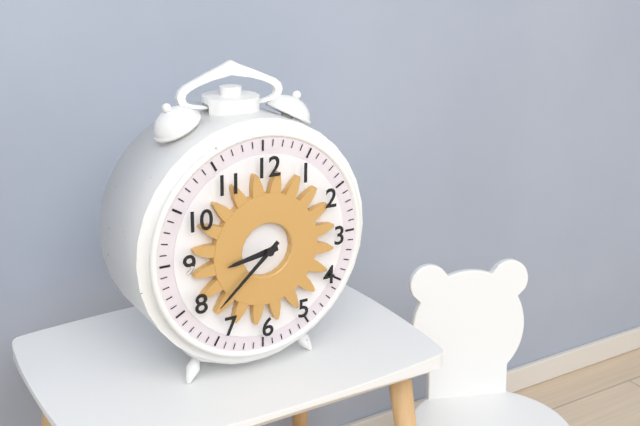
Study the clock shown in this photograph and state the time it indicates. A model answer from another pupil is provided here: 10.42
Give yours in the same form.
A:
8.38
